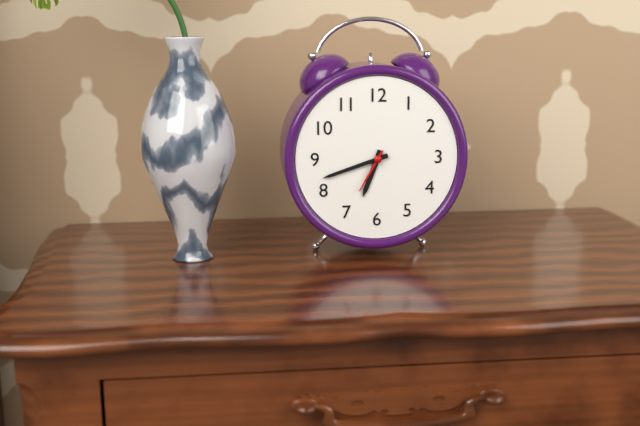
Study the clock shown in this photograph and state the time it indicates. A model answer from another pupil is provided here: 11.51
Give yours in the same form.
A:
6.42
